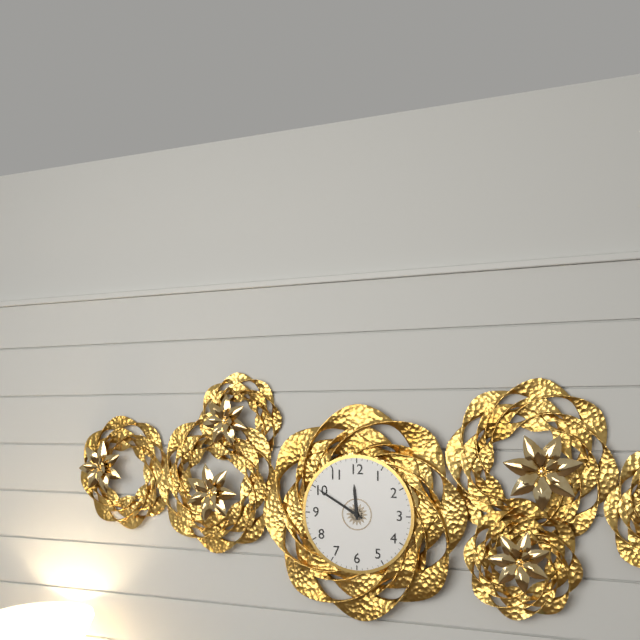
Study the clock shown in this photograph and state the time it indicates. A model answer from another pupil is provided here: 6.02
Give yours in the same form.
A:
11.50
